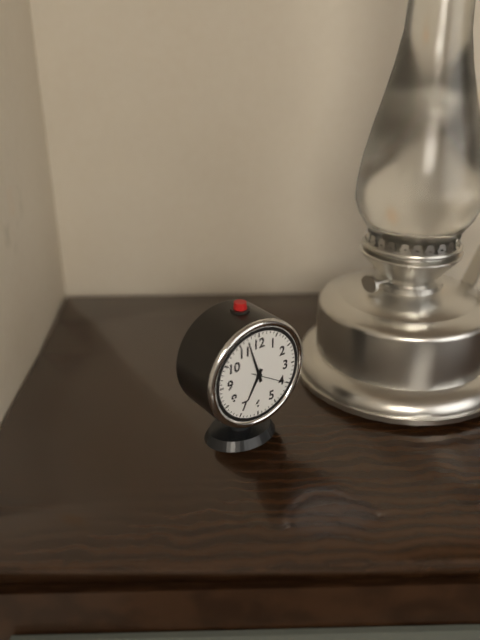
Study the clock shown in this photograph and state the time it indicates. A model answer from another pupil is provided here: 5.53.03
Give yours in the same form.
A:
6.57.20
